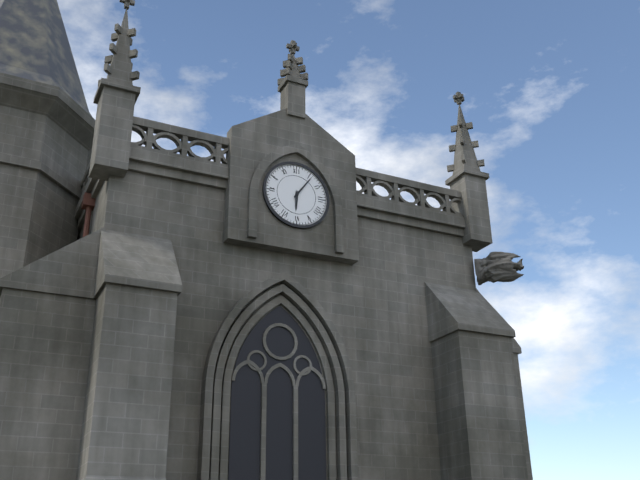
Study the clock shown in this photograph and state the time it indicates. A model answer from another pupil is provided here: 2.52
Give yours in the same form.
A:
6.06
